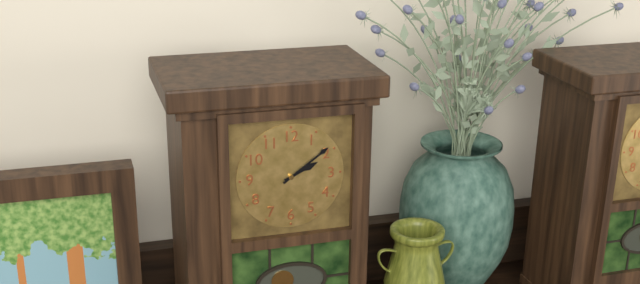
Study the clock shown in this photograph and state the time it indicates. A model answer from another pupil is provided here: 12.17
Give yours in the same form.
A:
2.09
